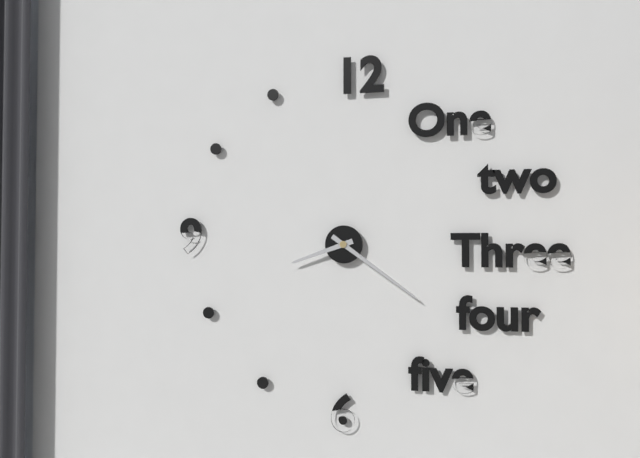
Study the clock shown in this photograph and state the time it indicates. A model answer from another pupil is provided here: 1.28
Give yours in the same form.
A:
8.21
